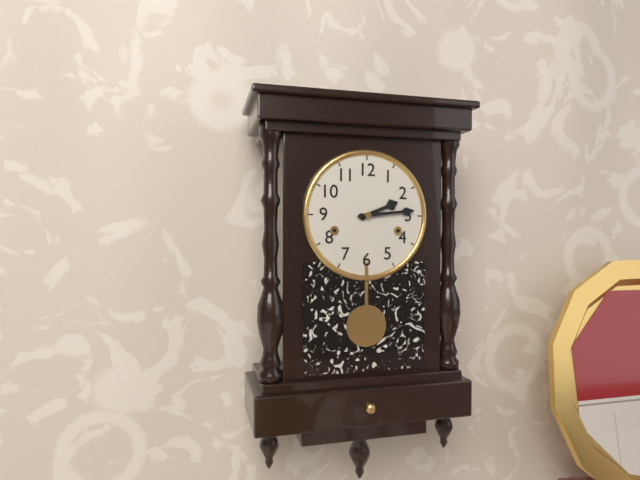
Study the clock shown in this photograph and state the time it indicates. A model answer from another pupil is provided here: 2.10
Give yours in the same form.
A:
2.14
